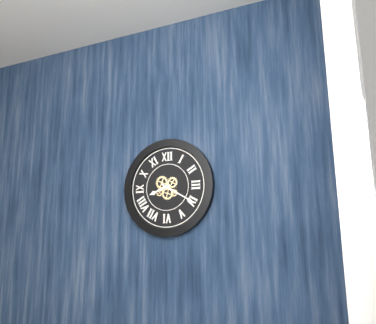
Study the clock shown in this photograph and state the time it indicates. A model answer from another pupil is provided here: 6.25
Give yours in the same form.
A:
8.20
